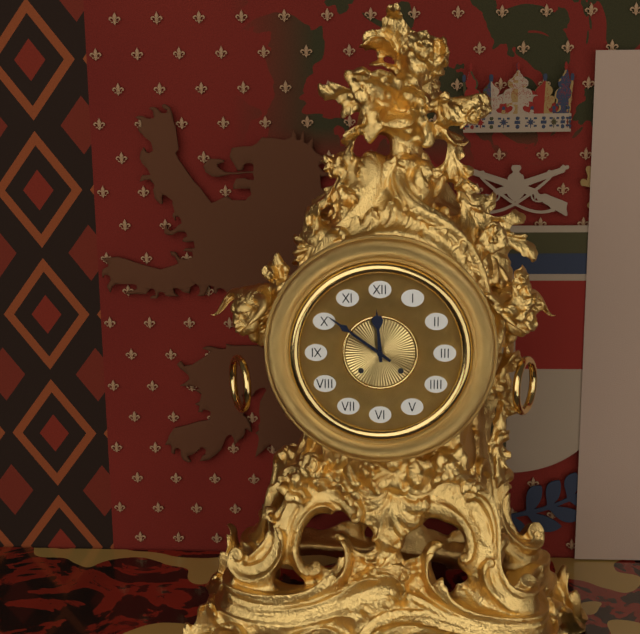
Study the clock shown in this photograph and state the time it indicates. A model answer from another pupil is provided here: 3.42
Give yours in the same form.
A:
11.51
